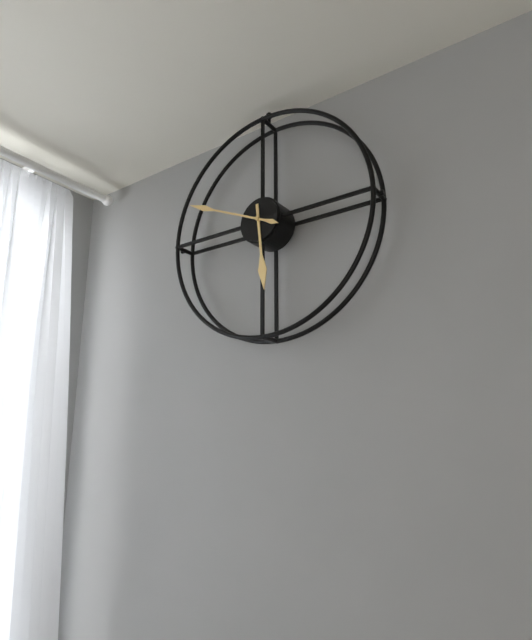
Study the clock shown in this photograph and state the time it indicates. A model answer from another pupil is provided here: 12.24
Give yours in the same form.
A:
5.49
